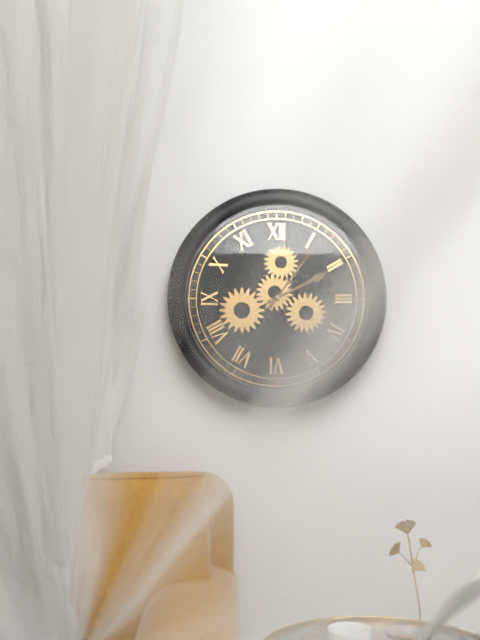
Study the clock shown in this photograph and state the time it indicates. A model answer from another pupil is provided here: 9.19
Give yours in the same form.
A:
2.06
